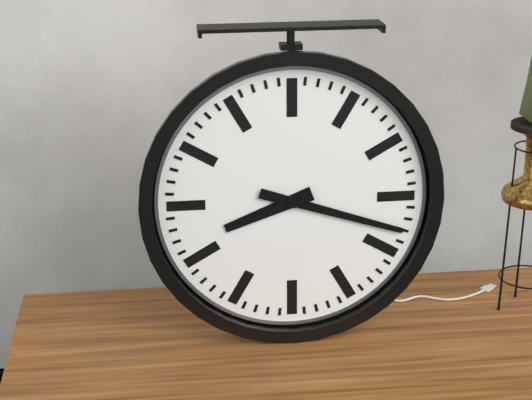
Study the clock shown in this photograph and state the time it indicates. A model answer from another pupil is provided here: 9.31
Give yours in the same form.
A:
8.18
